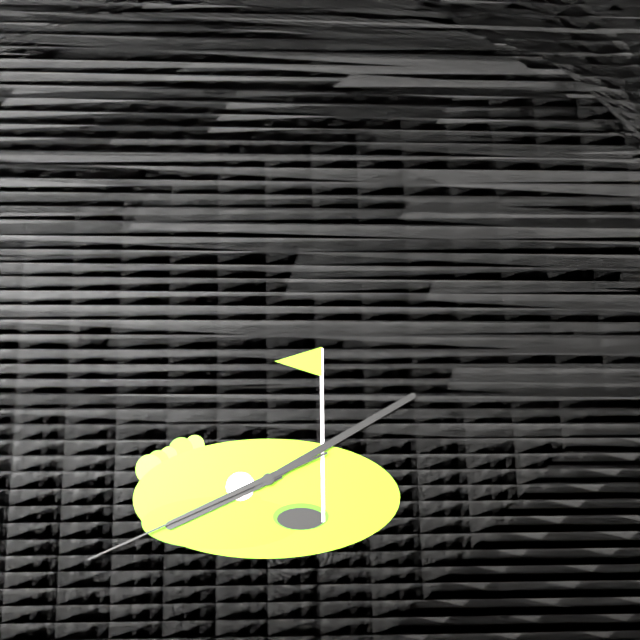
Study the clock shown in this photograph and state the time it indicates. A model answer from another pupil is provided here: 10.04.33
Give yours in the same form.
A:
8.10.41
